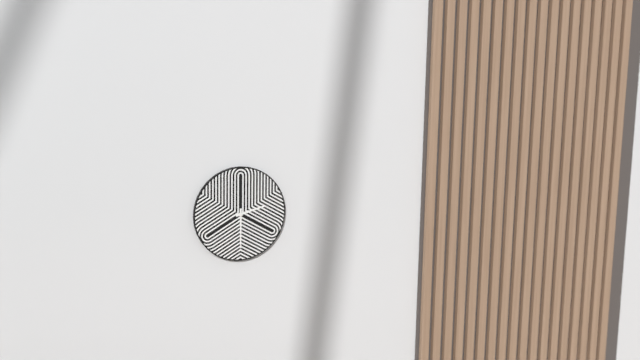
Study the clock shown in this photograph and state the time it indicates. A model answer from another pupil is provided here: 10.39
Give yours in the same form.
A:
2.30
